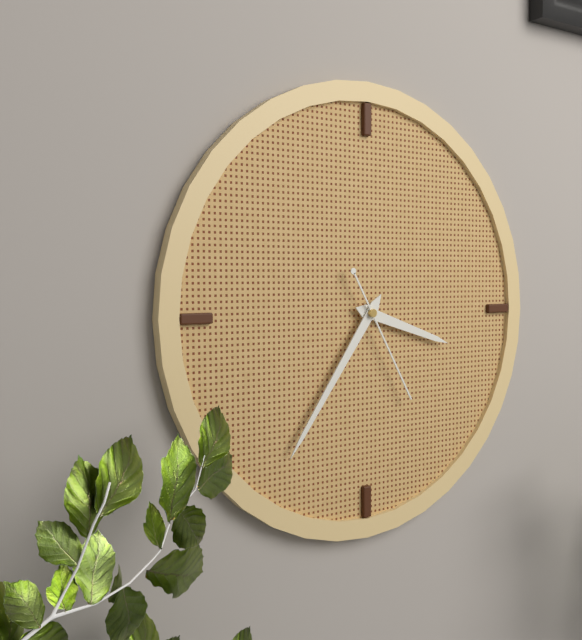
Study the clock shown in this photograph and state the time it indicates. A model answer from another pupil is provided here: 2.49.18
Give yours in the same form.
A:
3.36.25
